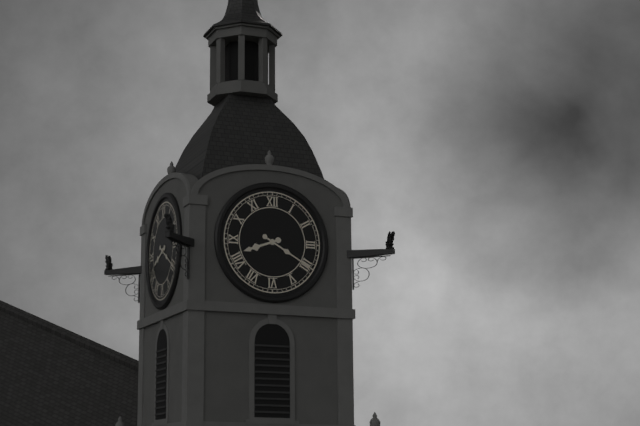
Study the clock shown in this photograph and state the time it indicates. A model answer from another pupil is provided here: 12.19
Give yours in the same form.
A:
8.20
